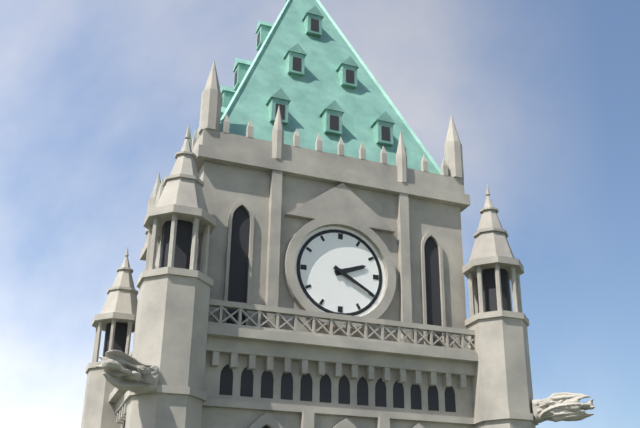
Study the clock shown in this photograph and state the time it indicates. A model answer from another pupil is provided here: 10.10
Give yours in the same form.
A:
2.20
